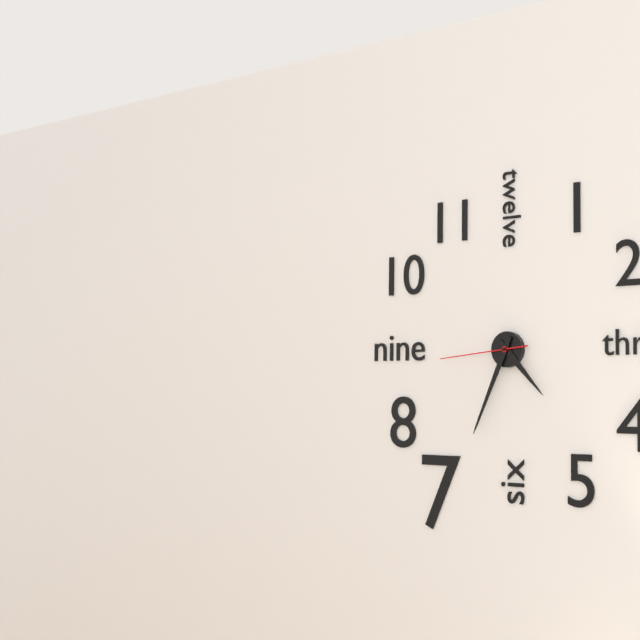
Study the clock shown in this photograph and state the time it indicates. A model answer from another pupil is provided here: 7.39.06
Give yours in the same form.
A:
4.34.44
